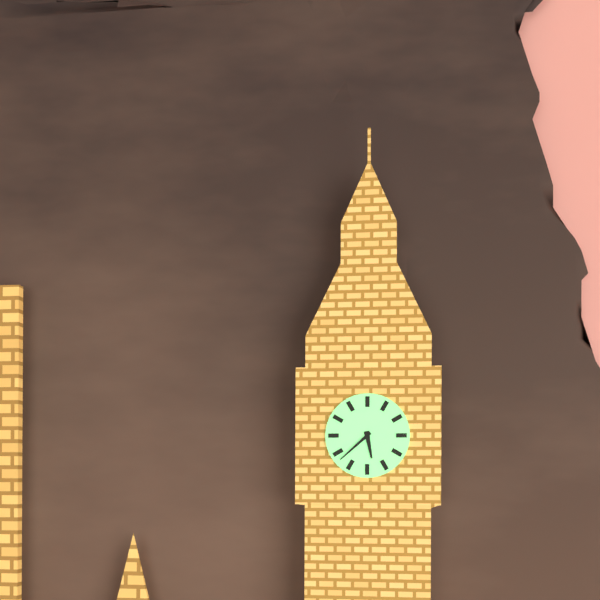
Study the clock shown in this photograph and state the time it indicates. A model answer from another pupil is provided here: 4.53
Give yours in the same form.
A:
5.38
